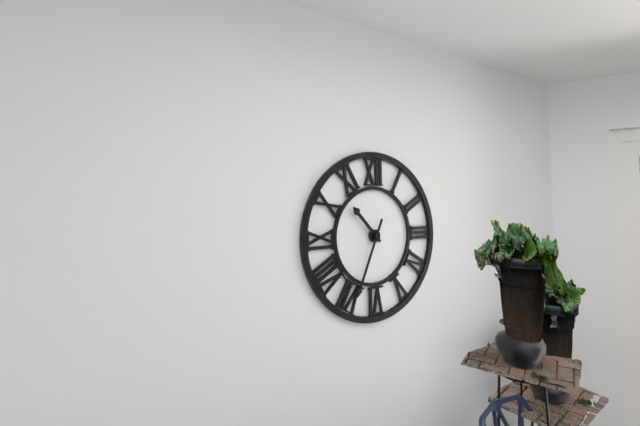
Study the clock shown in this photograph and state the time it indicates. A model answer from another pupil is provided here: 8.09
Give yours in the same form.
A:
10.34
